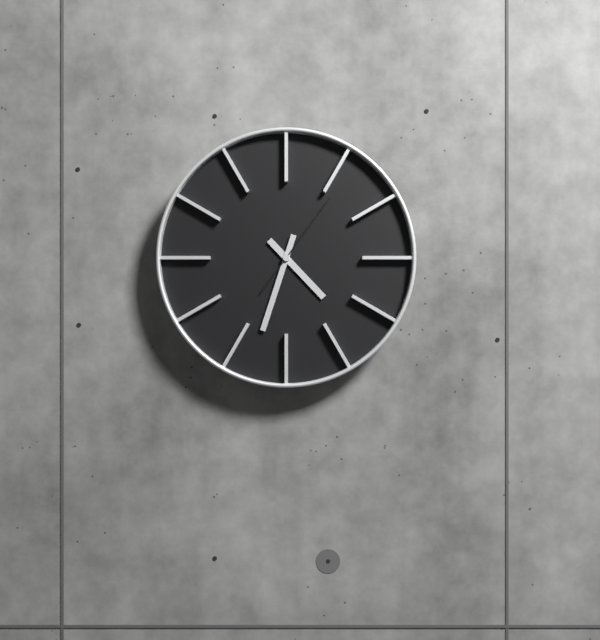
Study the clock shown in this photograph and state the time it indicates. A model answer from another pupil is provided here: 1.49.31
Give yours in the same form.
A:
4.33.06
